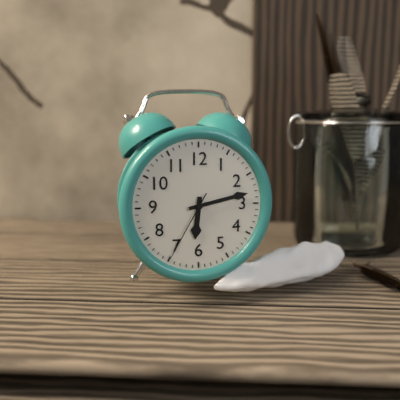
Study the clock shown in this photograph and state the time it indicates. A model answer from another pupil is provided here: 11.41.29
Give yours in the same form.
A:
6.13.35
